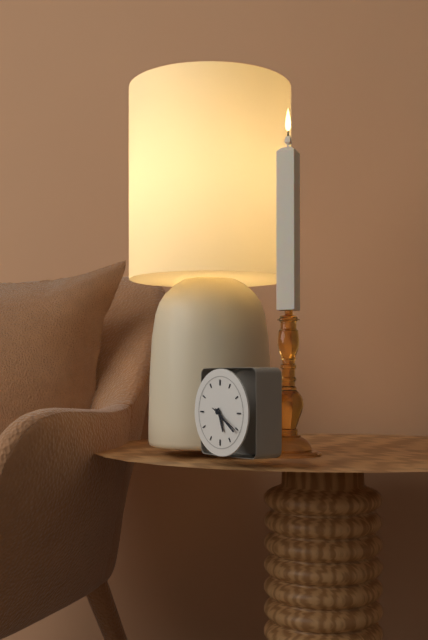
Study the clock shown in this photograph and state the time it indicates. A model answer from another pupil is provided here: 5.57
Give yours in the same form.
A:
5.21
